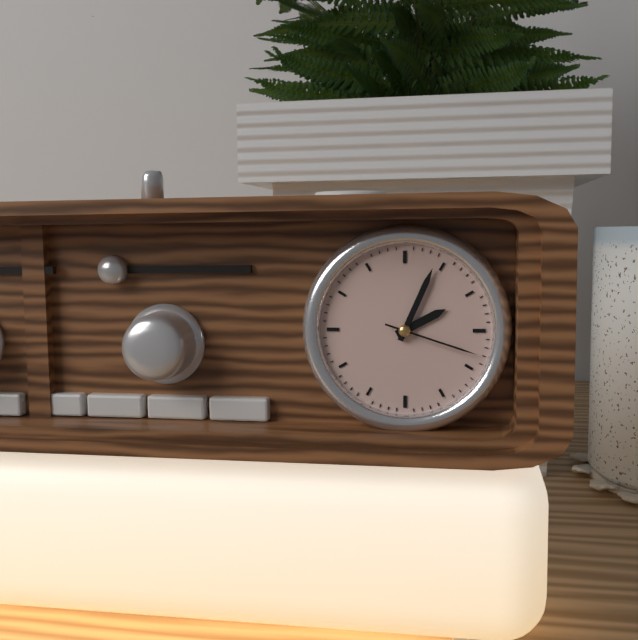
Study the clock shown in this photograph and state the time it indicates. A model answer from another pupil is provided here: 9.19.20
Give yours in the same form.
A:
2.04.18
